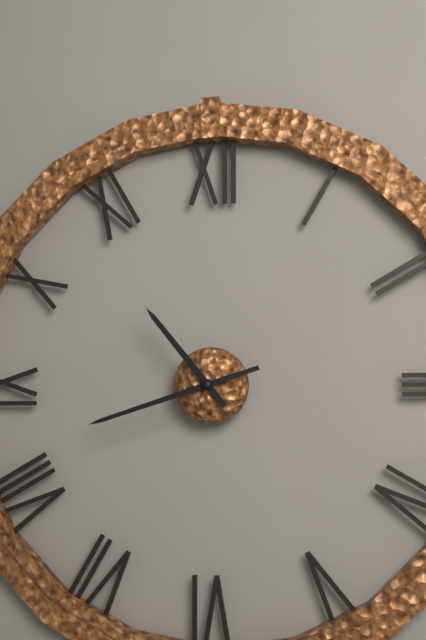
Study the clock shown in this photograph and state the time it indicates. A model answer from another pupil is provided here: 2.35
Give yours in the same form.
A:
10.42
